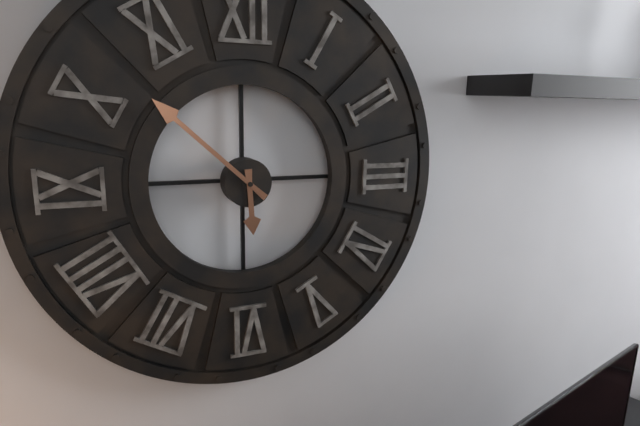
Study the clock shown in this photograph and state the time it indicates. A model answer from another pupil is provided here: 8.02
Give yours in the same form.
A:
5.52
